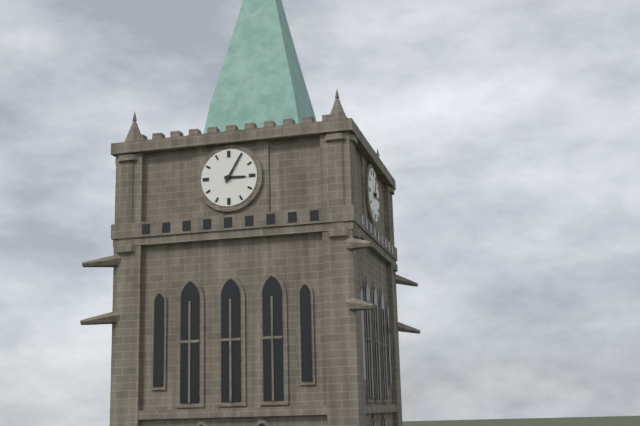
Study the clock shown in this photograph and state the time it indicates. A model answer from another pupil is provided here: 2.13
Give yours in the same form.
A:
3.05
